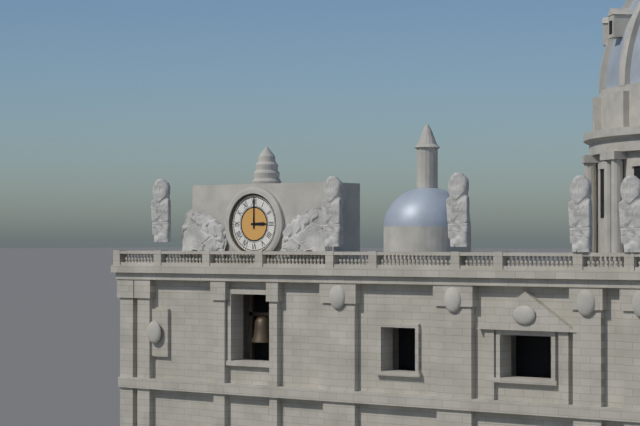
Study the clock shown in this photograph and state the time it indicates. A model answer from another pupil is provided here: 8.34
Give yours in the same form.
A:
3.00
